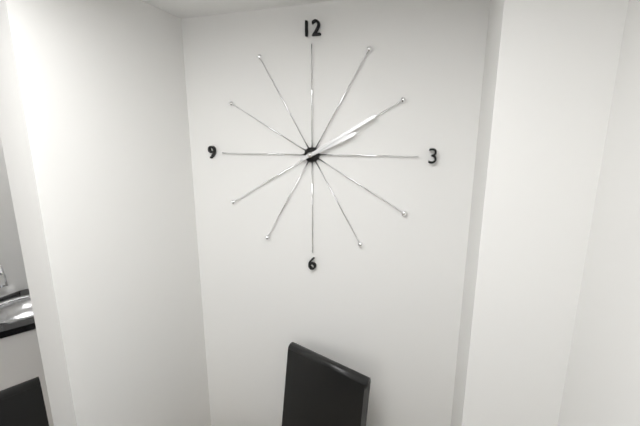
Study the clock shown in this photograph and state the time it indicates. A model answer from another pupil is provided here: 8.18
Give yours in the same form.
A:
2.10
